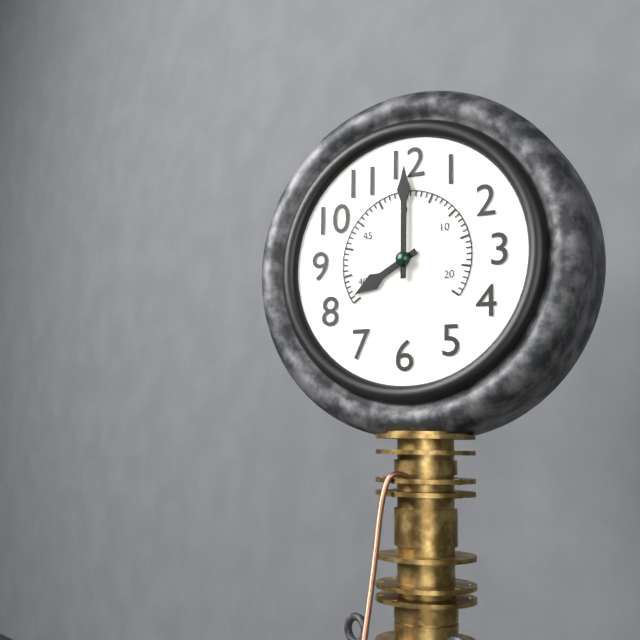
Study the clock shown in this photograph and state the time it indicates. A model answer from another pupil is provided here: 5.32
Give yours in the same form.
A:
8.00
